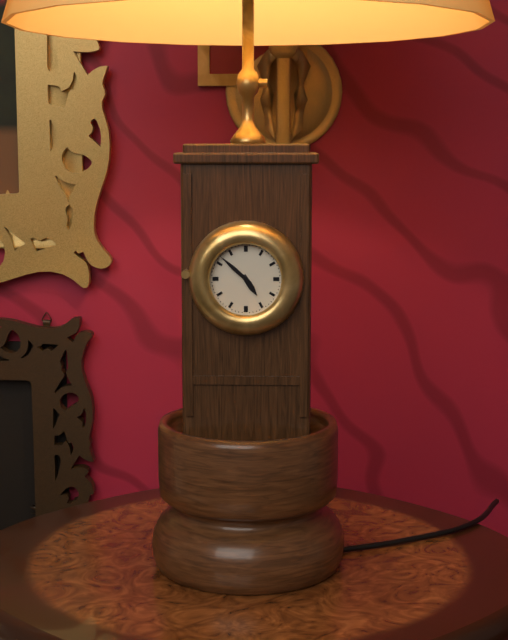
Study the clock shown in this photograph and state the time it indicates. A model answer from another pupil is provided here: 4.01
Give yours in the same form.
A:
4.52
